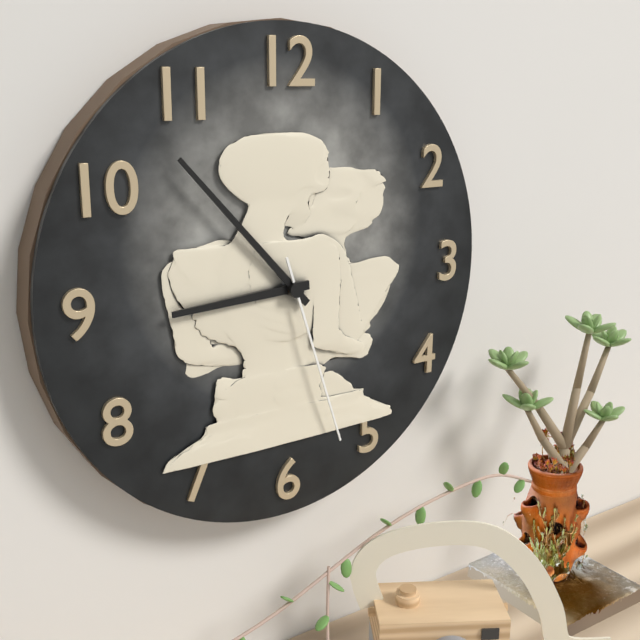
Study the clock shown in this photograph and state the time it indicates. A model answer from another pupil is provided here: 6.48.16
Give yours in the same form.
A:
8.53.27
